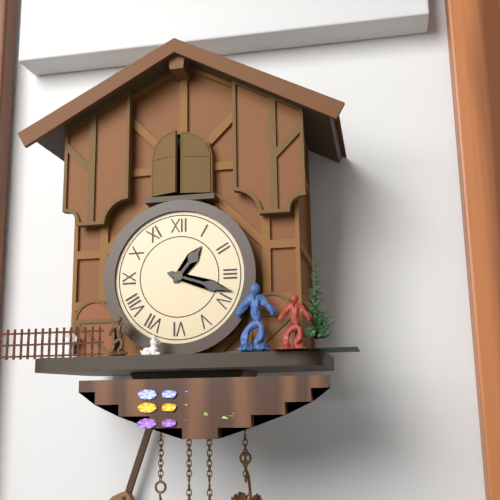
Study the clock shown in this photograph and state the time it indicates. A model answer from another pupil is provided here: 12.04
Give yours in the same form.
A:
1.18
